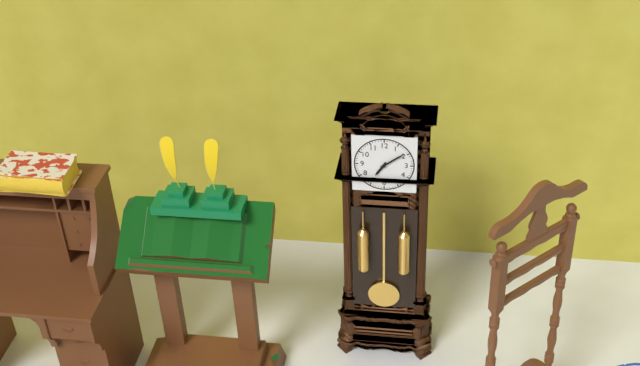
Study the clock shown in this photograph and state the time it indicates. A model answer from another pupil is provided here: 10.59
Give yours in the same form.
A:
7.09
